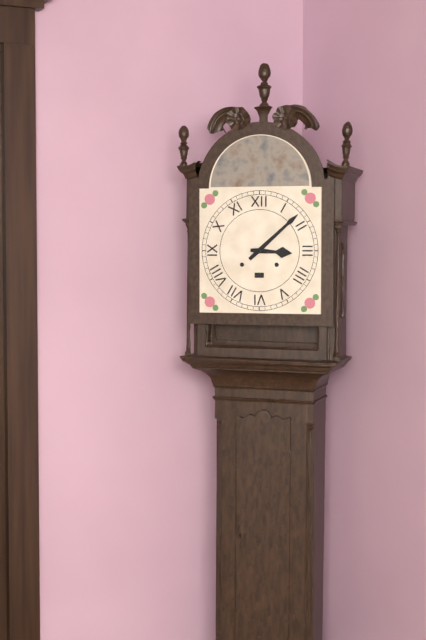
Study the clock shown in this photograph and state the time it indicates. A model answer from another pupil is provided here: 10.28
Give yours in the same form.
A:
3.08
